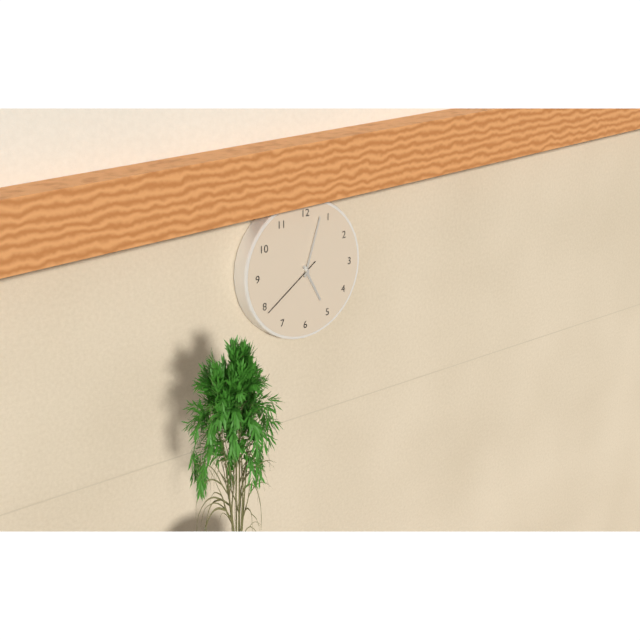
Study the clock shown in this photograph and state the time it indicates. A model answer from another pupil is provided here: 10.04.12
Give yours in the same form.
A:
5.03.39
